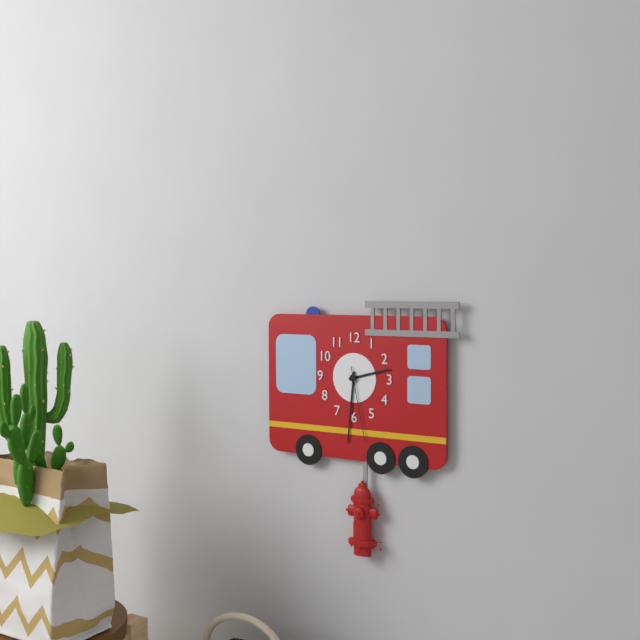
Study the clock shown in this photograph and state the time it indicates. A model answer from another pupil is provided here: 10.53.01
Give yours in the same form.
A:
2.31.28
